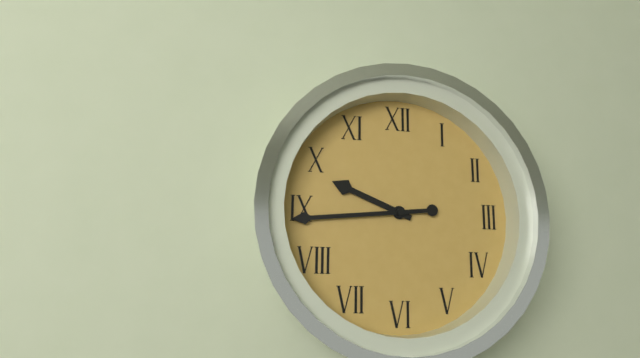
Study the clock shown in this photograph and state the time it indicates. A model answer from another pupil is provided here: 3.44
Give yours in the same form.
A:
9.44
